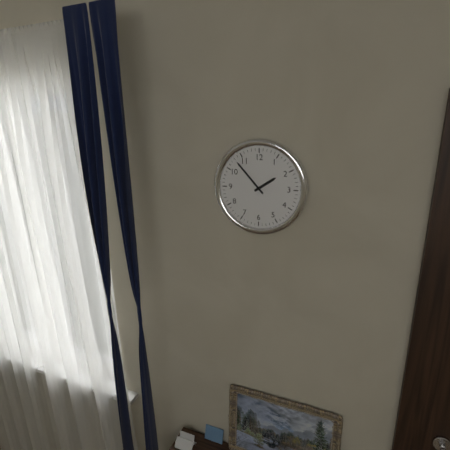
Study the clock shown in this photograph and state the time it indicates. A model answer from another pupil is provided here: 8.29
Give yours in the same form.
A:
1.53
